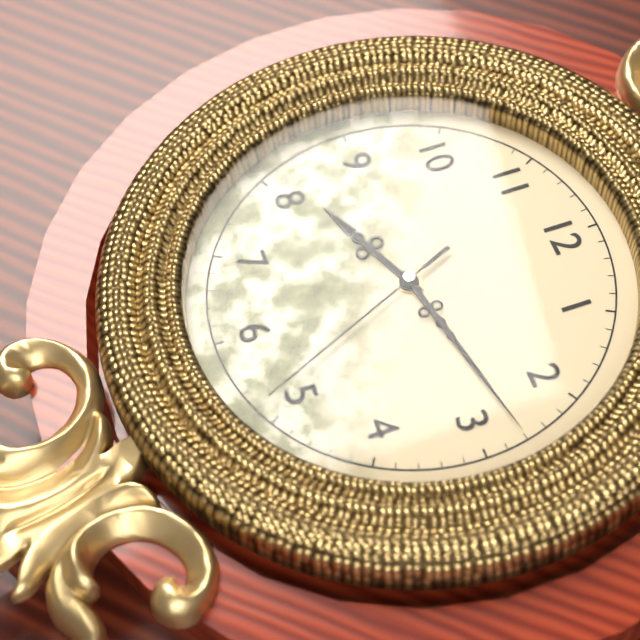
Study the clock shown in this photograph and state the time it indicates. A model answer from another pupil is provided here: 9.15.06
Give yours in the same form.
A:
8.13.26
